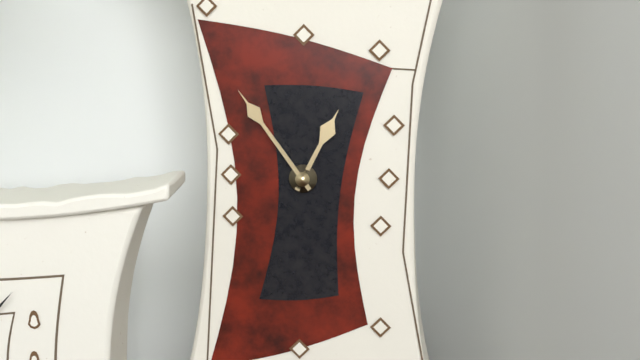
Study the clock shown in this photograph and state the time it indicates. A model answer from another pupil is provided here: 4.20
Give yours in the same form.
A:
12.54
